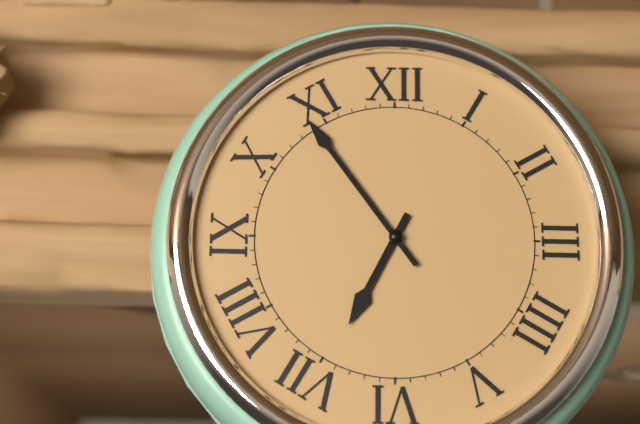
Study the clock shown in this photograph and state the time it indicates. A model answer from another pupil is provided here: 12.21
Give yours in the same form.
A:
6.54
